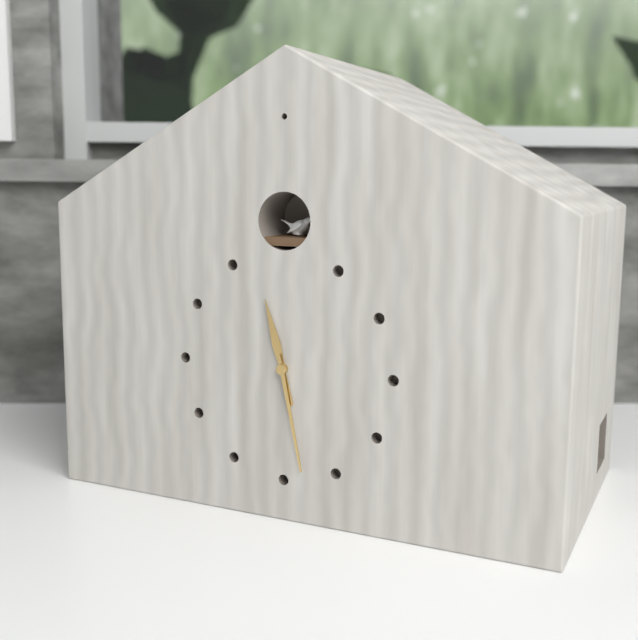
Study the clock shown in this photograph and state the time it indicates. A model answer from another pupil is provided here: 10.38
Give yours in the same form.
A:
11.28
